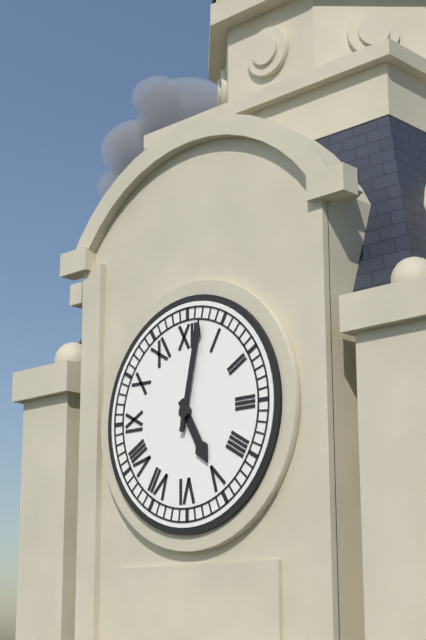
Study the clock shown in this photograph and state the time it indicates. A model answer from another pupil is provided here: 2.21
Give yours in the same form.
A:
5.02
